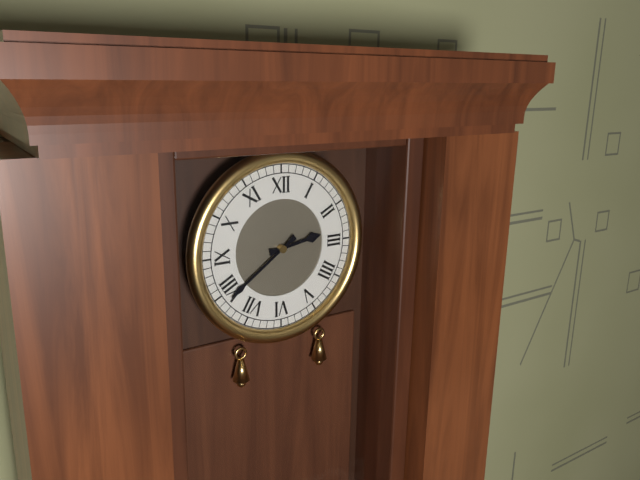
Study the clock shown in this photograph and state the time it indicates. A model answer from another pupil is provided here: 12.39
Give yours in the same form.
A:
2.39
